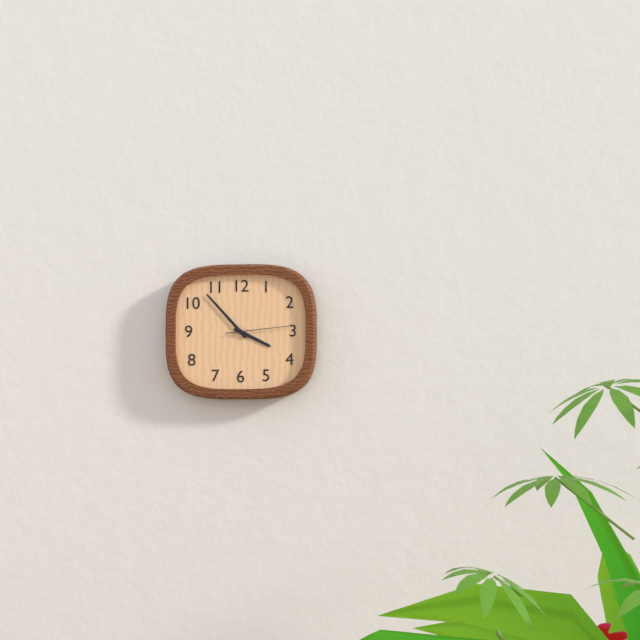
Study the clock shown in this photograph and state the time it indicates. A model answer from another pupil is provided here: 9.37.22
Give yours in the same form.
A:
3.53.14
